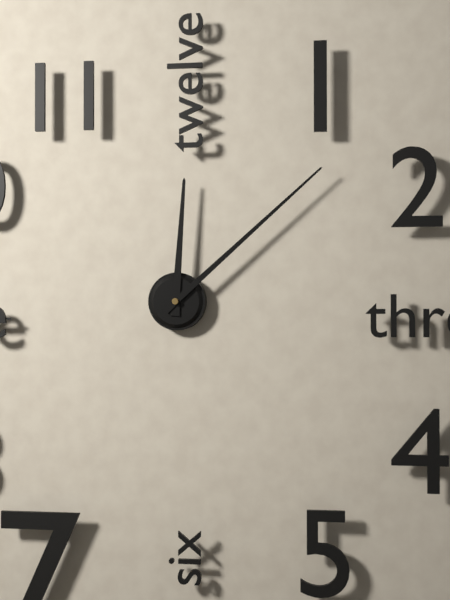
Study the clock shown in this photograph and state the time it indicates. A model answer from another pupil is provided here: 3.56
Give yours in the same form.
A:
12.08
